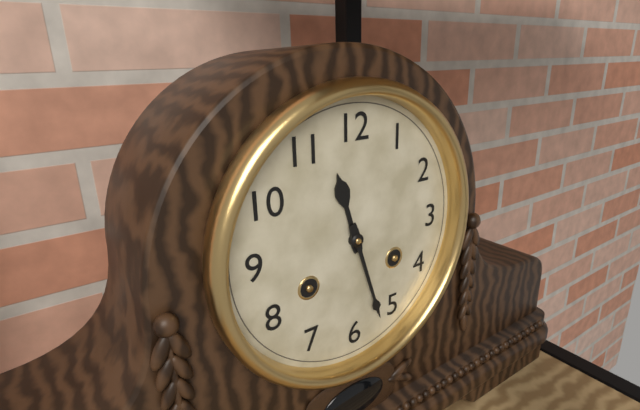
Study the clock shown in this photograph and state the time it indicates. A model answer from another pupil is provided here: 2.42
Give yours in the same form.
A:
11.27
